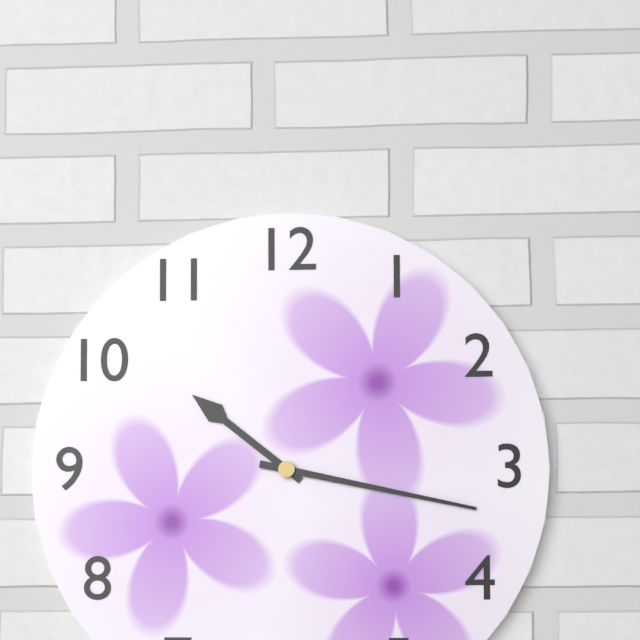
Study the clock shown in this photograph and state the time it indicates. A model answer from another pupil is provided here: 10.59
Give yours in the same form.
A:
10.17
